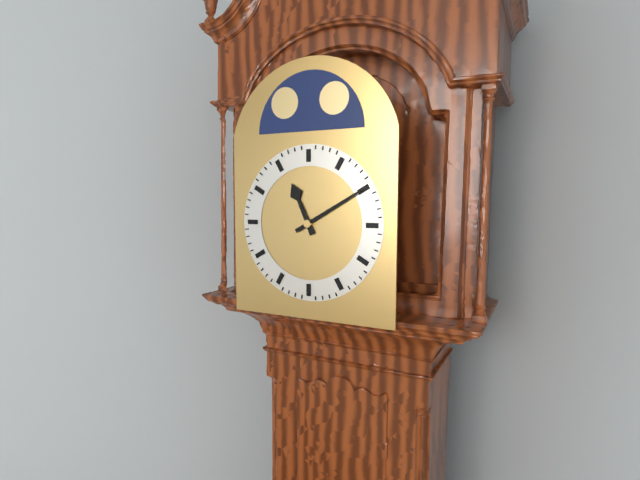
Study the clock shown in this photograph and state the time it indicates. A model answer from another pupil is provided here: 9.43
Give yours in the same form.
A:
11.10
